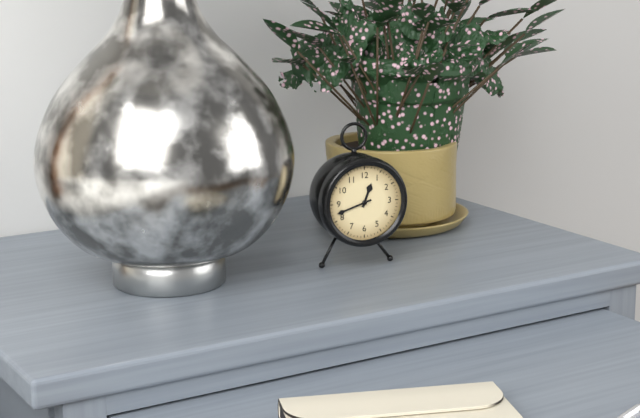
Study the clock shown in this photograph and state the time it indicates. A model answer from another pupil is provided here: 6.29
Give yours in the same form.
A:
12.42
